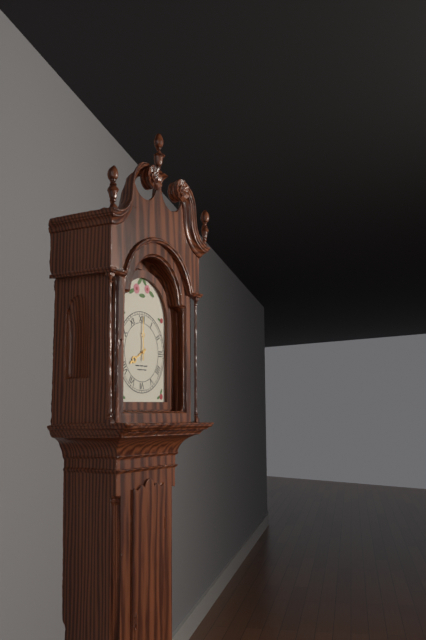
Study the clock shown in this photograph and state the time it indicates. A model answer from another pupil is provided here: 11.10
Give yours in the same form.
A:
8.00
